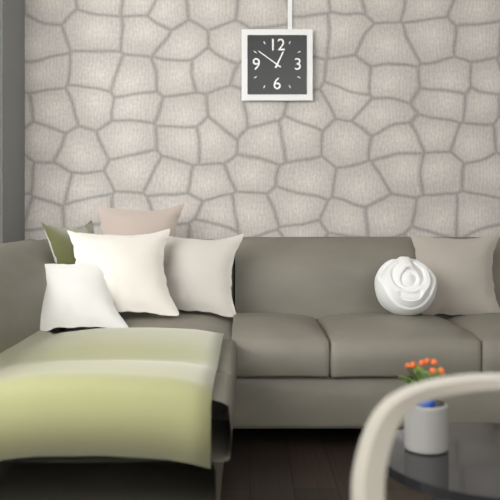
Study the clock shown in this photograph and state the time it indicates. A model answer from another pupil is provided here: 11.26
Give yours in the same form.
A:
12.51
